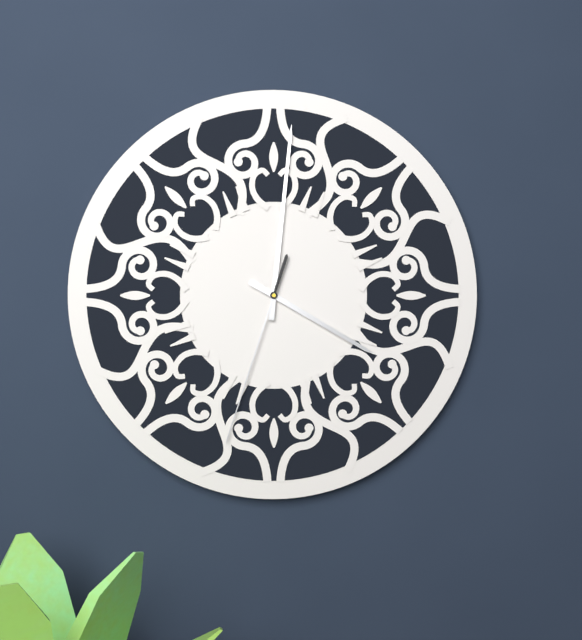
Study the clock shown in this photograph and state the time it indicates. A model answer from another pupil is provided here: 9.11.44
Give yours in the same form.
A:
4.01.33
